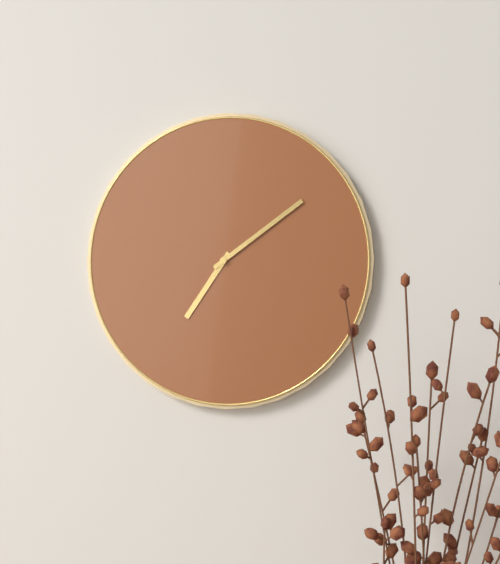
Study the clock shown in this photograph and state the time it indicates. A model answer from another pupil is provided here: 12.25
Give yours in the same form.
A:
7.09
